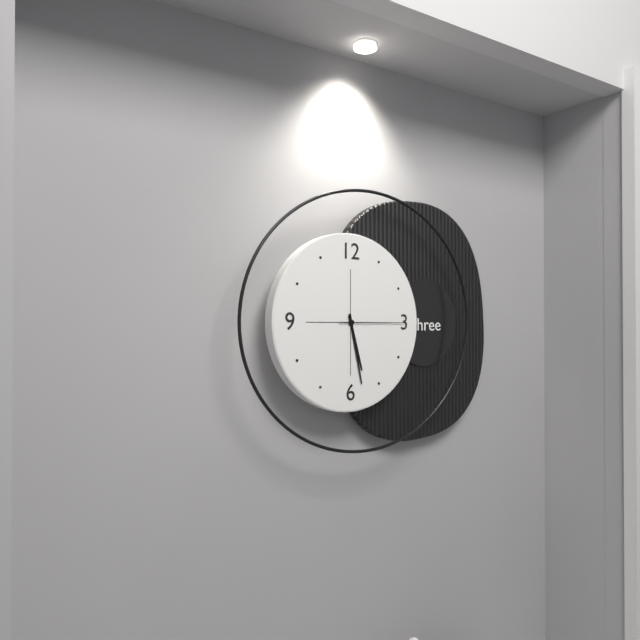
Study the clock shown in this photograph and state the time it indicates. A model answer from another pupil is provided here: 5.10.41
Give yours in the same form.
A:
5.28.15
